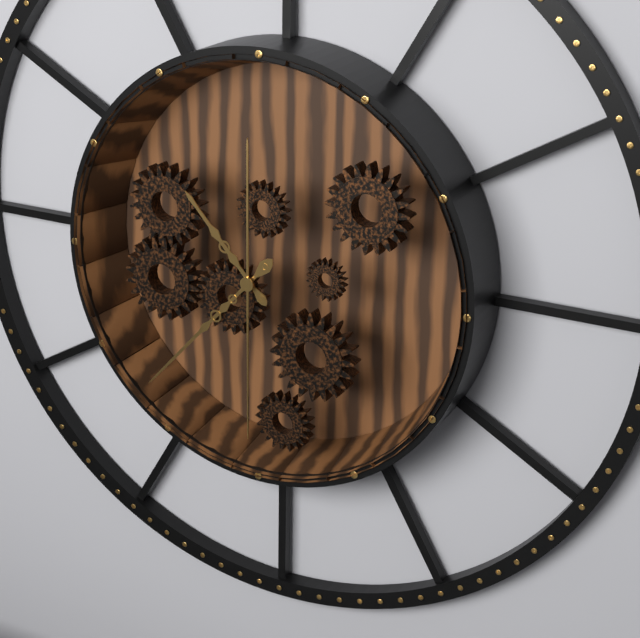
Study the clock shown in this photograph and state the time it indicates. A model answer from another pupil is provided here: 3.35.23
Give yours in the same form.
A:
10.37.30
